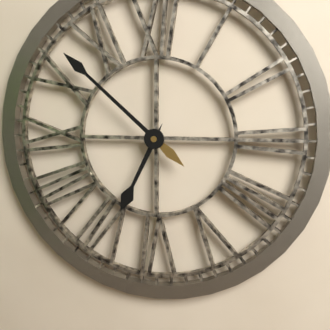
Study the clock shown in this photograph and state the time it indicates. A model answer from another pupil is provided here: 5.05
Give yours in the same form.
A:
6.52
